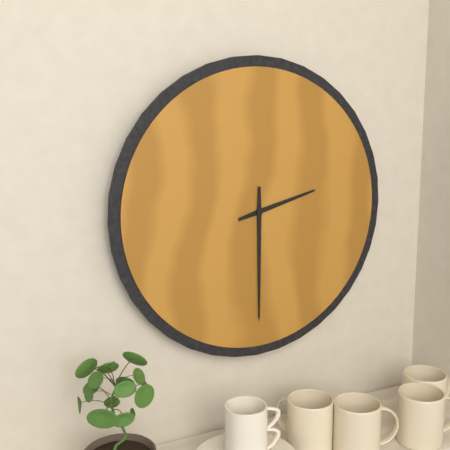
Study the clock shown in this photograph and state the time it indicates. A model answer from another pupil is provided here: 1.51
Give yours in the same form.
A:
2.30
